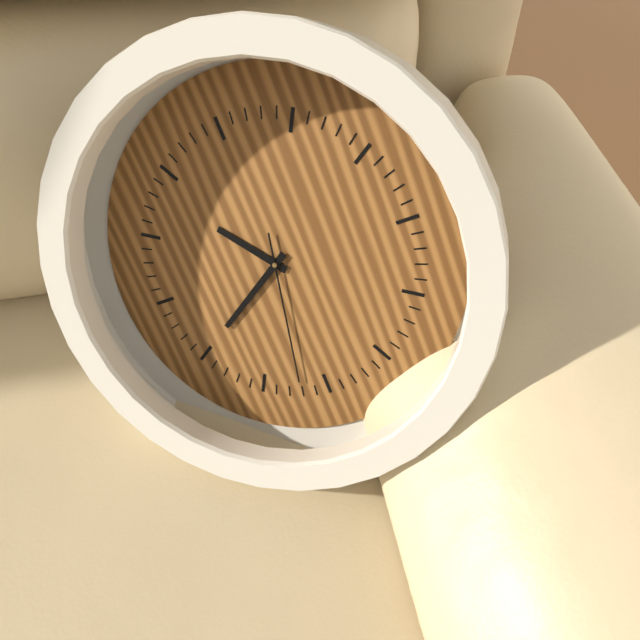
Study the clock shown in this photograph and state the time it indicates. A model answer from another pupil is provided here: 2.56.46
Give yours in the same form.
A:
10.40.32
